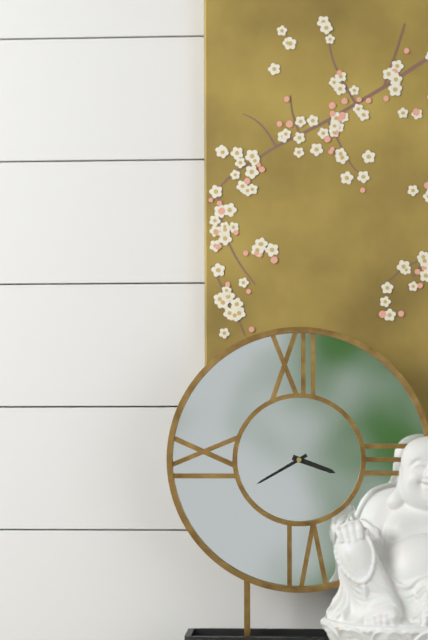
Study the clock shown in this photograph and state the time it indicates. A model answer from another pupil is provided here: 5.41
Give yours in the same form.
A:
3.40
